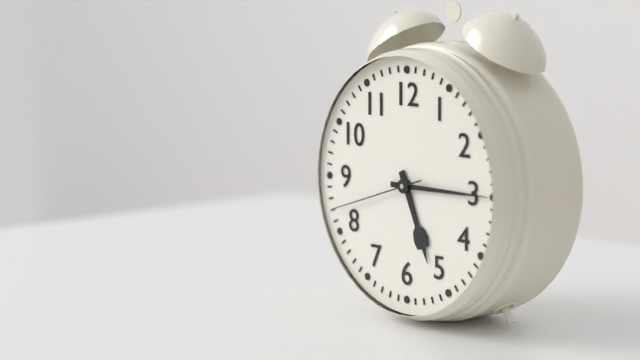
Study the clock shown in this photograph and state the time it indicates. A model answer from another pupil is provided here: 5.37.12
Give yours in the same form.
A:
5.15.42
